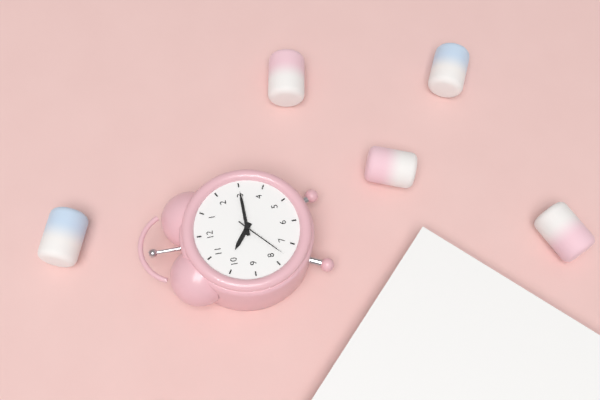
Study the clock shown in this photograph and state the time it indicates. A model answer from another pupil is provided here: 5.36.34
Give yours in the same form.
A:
10.15.38
